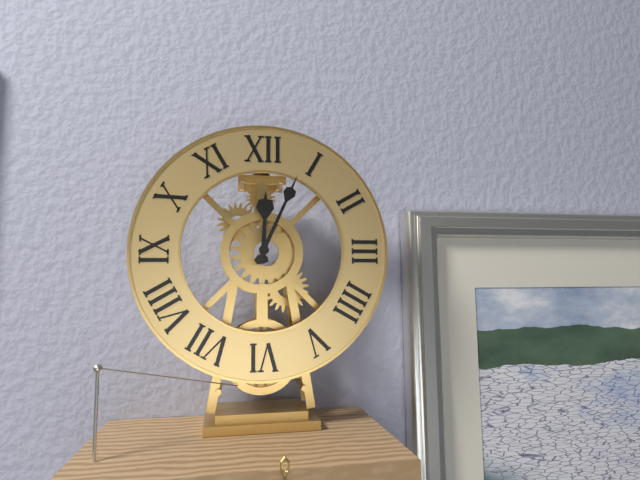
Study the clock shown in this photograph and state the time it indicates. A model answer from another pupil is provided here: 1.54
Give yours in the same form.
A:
12.04
